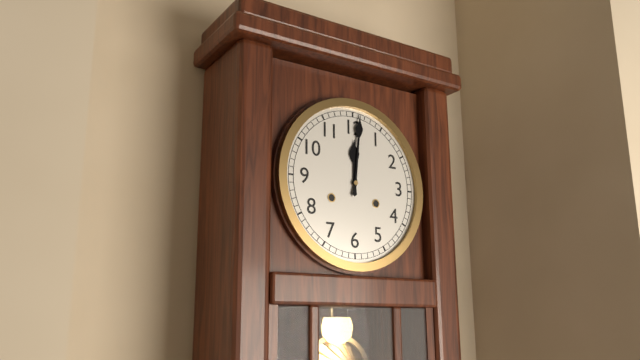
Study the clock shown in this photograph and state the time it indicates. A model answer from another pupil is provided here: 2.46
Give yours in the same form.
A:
12.01
